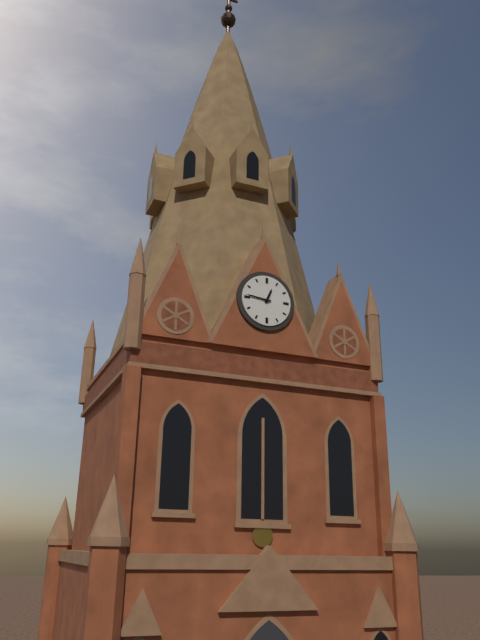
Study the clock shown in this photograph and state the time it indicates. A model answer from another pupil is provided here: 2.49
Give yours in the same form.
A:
12.46
